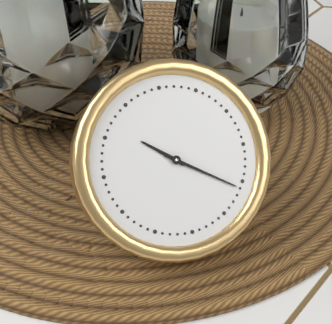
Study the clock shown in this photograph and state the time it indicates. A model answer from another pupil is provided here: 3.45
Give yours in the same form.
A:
10.21
